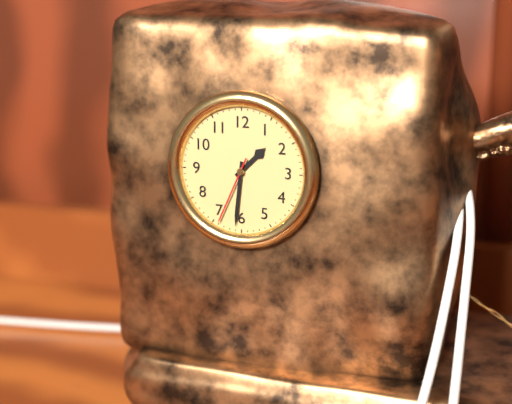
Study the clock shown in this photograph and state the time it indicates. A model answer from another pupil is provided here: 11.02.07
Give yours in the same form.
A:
1.31.34
